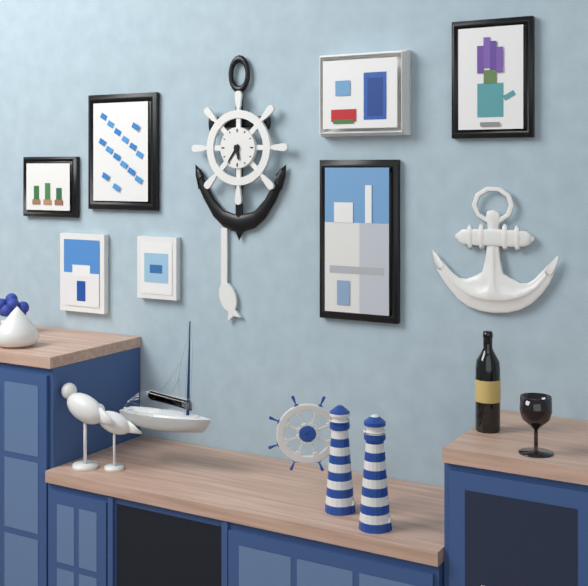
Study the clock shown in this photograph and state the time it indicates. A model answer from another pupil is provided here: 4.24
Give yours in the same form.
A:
5.36
